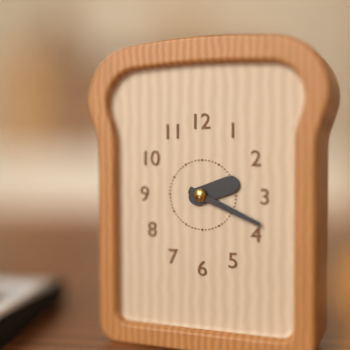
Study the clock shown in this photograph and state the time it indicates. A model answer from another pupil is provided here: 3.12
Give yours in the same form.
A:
2.19
